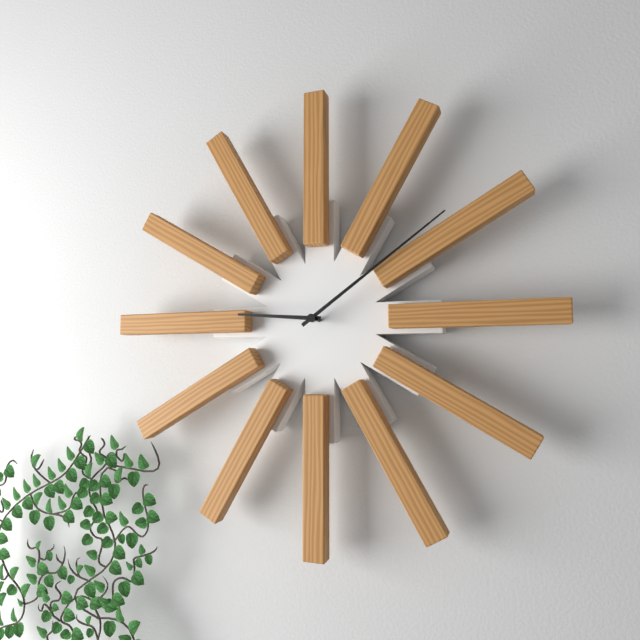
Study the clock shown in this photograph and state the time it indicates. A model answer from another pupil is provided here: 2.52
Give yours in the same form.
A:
9.09
